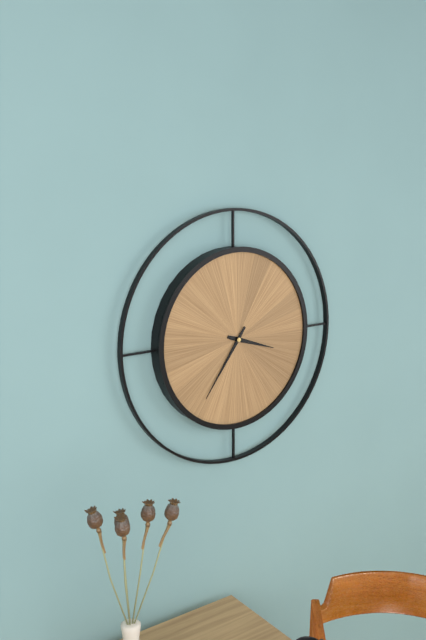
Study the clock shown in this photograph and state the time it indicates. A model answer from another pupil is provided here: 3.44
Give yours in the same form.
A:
3.36
